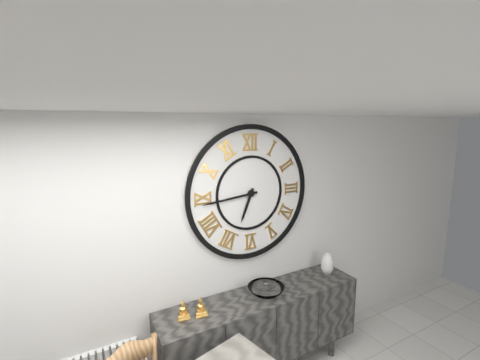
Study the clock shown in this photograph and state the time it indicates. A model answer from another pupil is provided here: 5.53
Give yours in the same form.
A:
6.44
